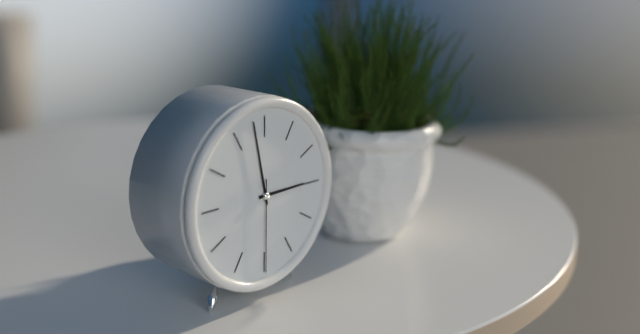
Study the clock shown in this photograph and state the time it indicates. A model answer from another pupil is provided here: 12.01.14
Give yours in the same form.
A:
2.58.30
